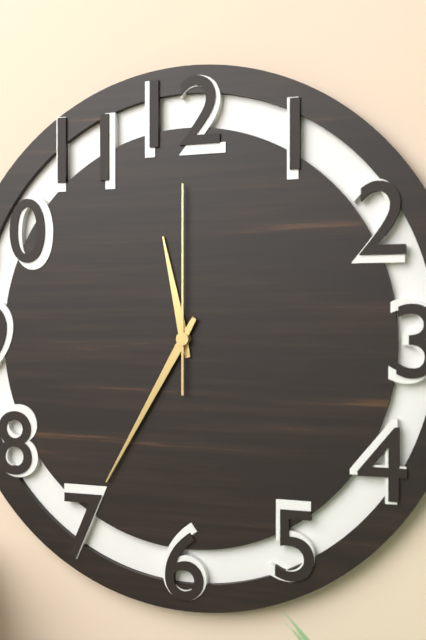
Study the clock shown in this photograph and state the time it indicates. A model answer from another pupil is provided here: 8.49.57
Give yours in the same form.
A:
11.35.00
